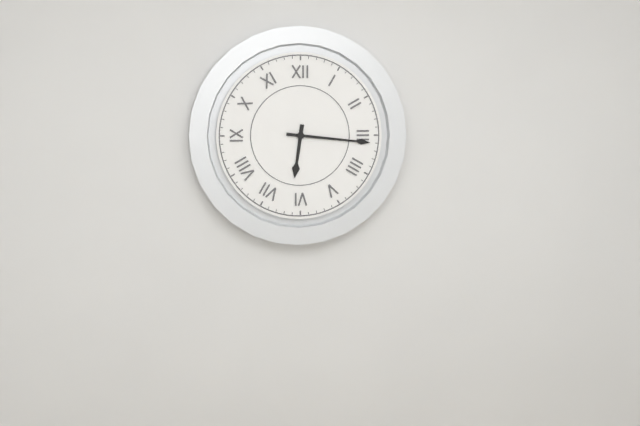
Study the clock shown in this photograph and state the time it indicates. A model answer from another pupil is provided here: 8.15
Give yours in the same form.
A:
6.16
